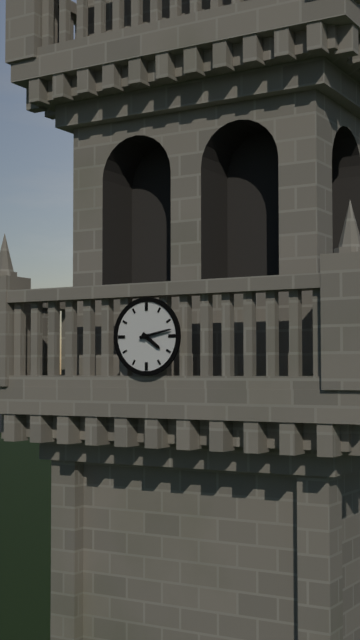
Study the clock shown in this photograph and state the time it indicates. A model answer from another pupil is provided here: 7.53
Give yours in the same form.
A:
4.13
